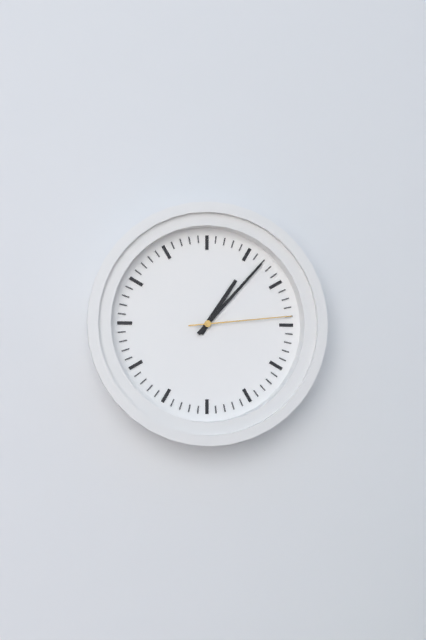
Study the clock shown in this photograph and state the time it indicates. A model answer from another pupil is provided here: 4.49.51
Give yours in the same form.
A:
1.07.14
